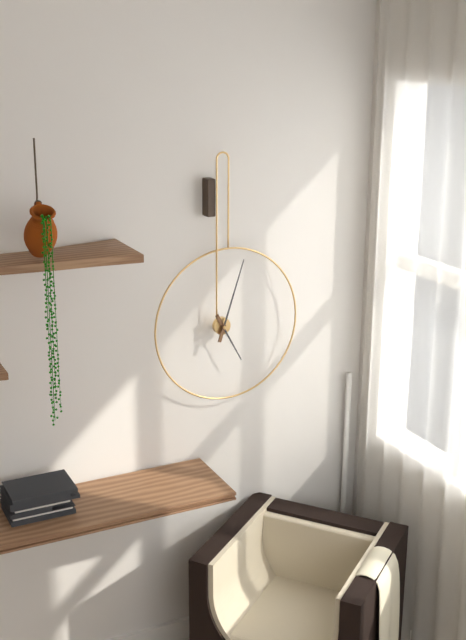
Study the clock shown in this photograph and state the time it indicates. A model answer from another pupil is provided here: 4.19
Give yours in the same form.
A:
5.03
